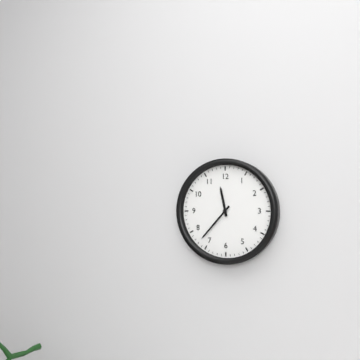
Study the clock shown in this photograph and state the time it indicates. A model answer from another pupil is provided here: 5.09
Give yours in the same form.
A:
11.37
